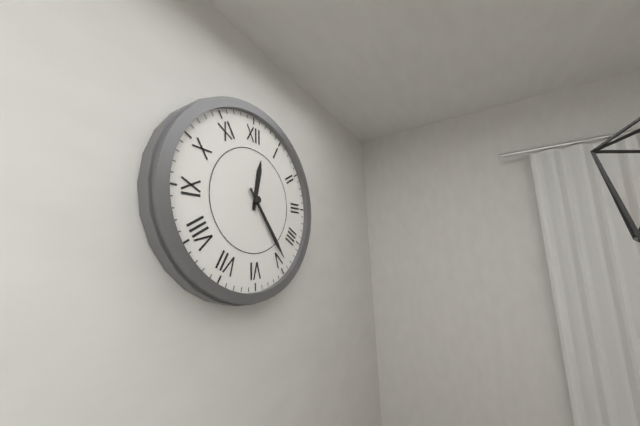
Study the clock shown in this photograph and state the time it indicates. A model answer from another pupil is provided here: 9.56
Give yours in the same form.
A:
12.24
